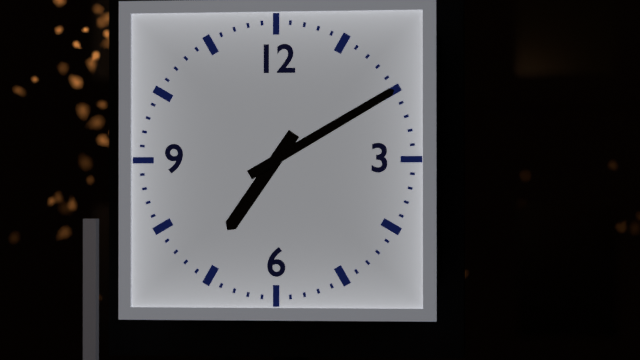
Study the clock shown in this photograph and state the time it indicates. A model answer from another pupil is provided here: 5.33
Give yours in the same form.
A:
7.10
